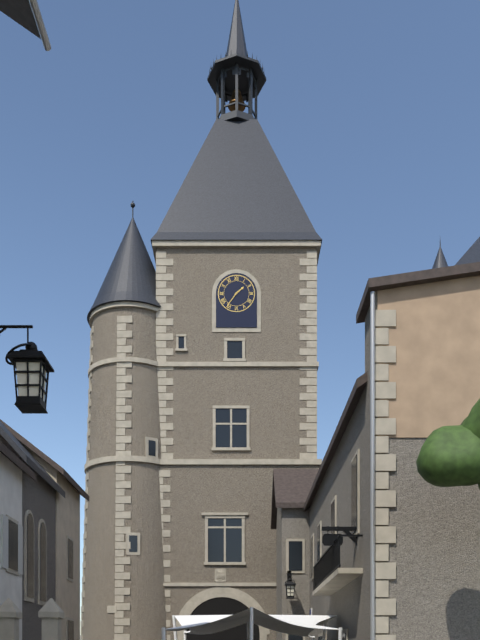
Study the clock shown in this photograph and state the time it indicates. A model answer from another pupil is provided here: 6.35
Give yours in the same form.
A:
1.36
